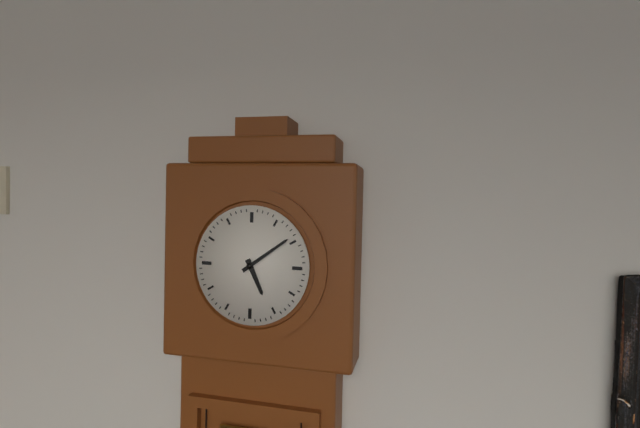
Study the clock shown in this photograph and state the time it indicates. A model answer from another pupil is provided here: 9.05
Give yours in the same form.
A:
5.09
